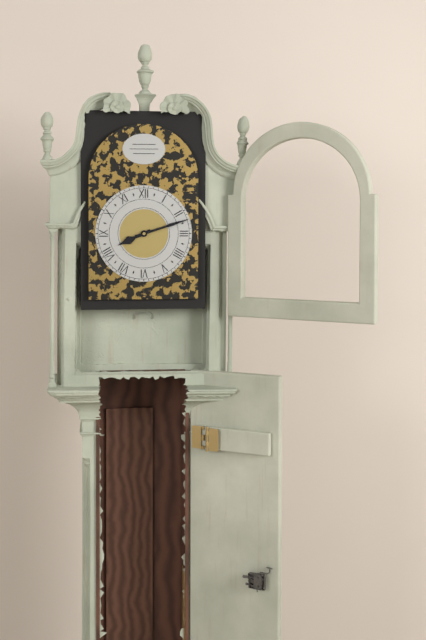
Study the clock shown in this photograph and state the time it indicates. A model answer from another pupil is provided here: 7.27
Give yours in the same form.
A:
8.12
